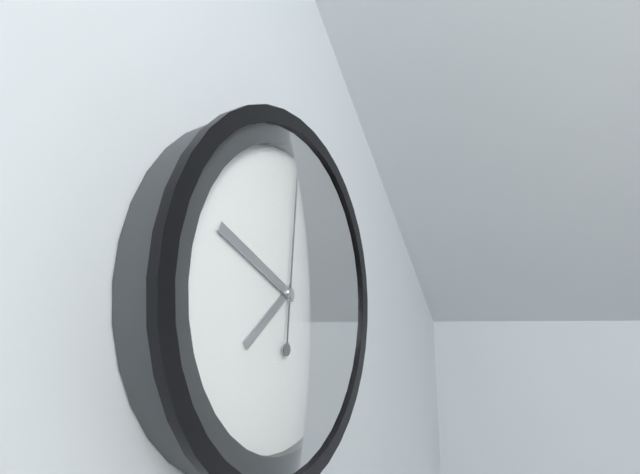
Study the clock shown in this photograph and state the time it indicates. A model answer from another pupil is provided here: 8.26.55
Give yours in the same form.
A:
7.49.01
